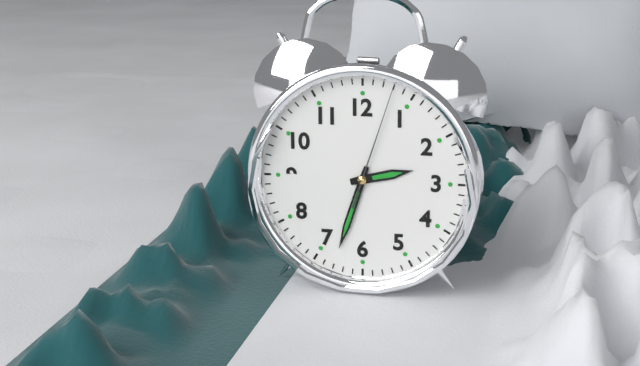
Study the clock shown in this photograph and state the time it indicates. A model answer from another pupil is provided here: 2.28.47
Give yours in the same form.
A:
2.33.03
